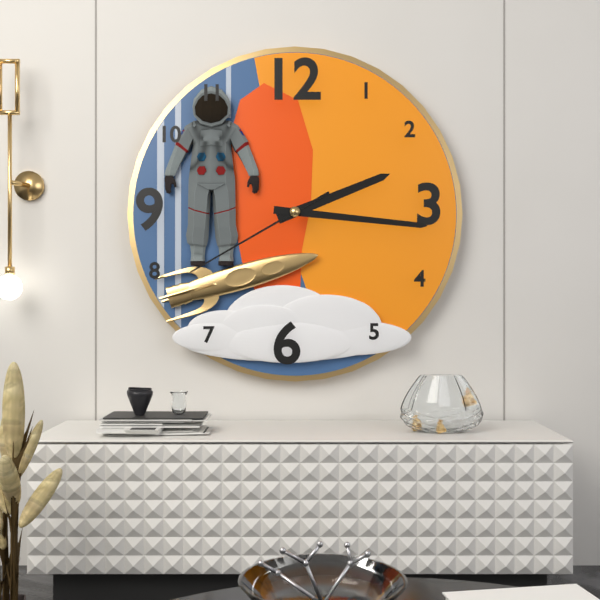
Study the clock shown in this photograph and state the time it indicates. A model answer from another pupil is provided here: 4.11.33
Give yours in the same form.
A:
2.16.40
